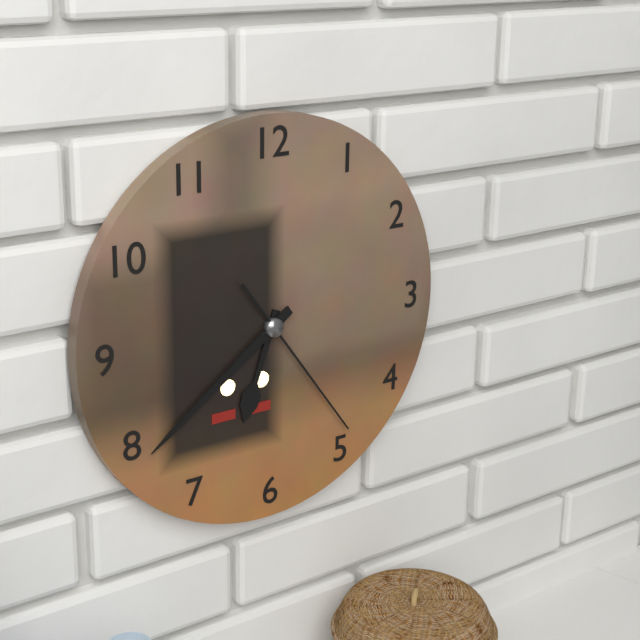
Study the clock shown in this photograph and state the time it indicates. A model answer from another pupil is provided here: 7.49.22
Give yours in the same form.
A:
6.39.24
